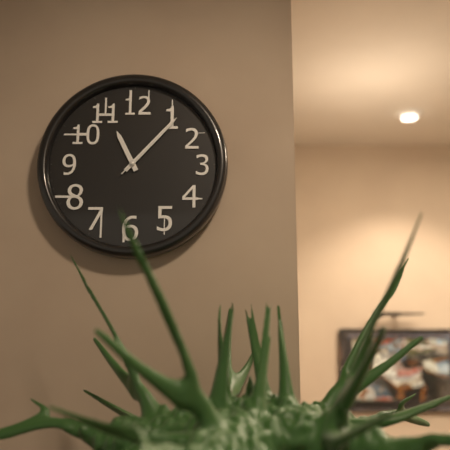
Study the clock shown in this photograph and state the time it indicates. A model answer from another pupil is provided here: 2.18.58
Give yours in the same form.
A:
11.07.07
